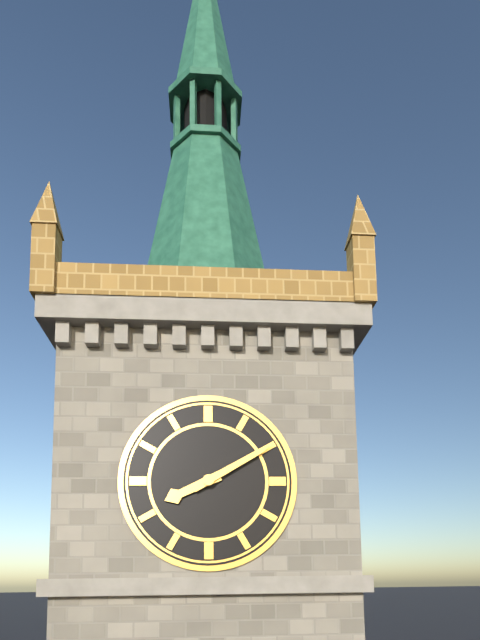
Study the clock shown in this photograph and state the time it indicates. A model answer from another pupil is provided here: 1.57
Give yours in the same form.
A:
8.10
